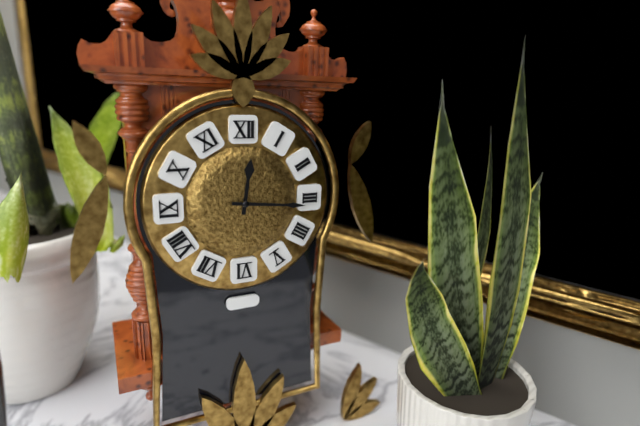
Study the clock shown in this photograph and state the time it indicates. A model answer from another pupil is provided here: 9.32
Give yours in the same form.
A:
12.16
